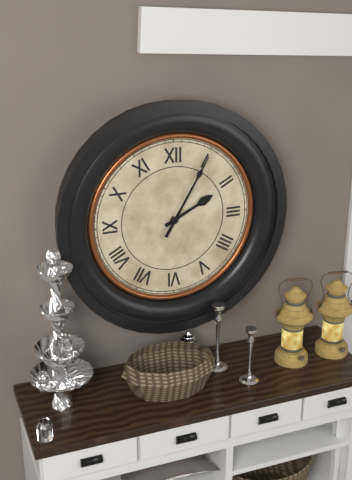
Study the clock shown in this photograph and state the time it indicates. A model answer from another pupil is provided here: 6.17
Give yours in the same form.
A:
2.05
